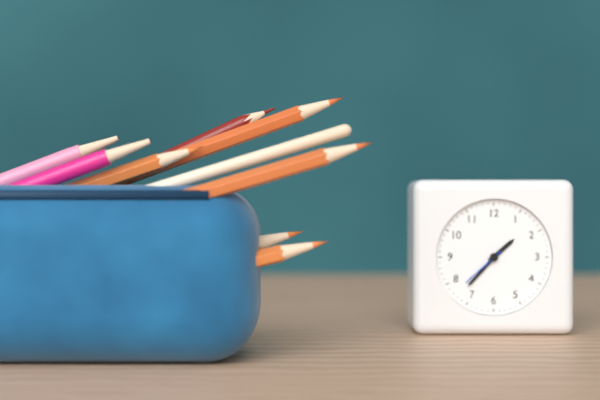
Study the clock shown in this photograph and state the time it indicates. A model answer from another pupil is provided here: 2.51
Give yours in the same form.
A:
1.37
